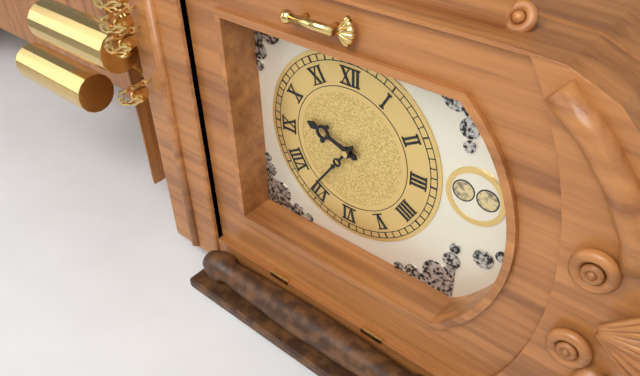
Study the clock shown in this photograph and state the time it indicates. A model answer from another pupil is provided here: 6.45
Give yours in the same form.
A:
9.36
